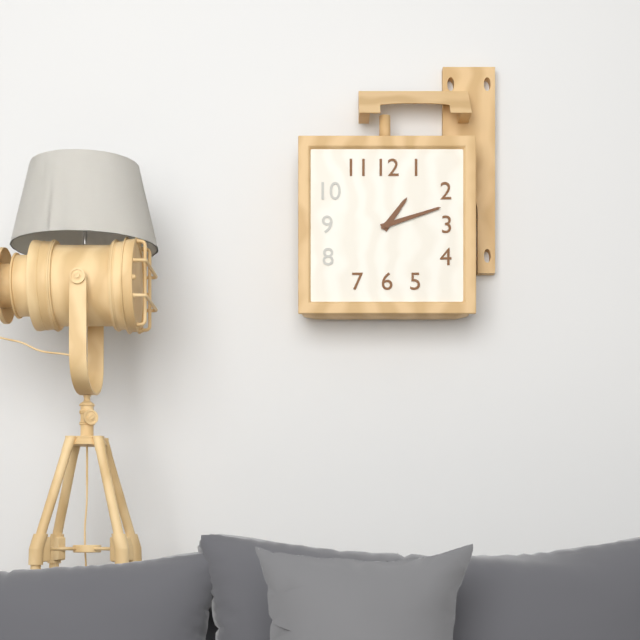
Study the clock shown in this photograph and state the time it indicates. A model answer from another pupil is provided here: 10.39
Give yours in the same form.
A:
1.12
